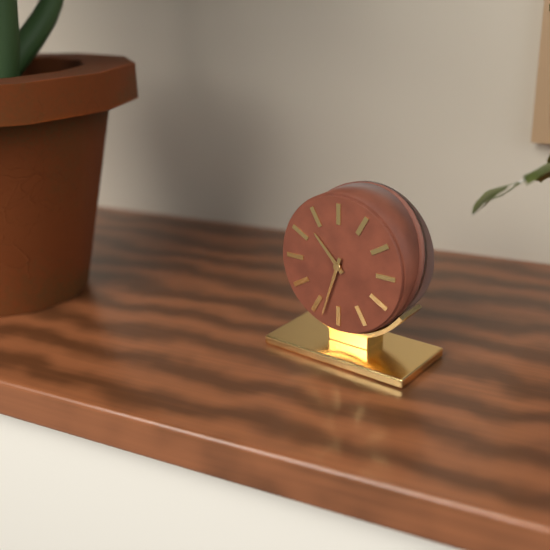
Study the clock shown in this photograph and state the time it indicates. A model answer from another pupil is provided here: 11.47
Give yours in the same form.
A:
10.33
